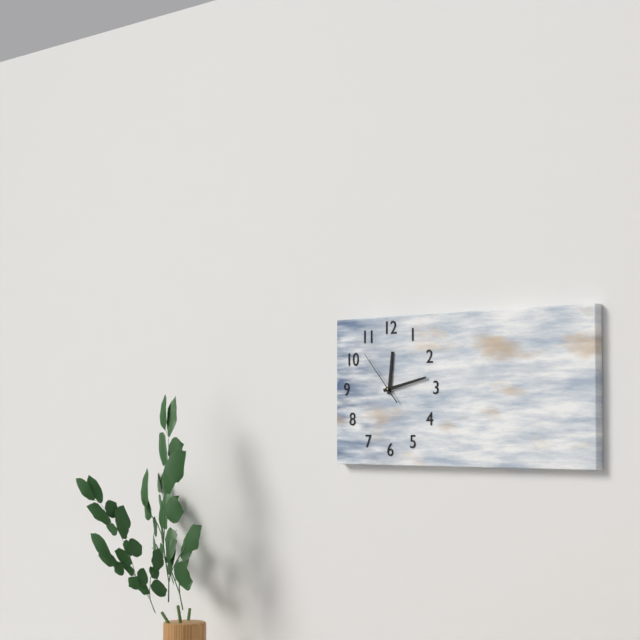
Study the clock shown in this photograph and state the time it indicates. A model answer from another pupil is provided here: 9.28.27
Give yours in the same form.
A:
12.13.53
